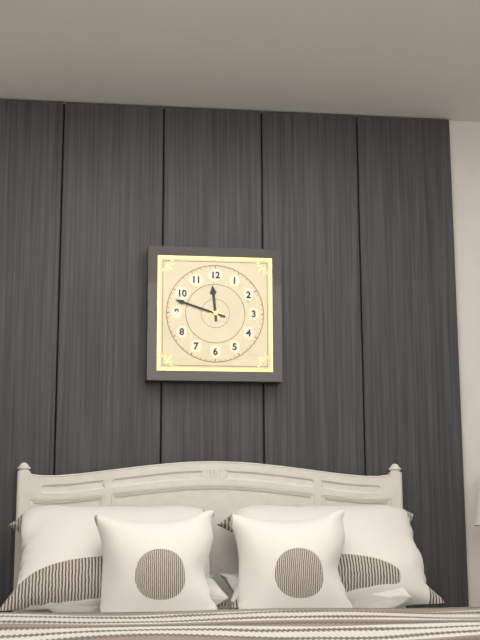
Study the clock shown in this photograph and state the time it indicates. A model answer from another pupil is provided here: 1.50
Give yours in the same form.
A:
11.48
